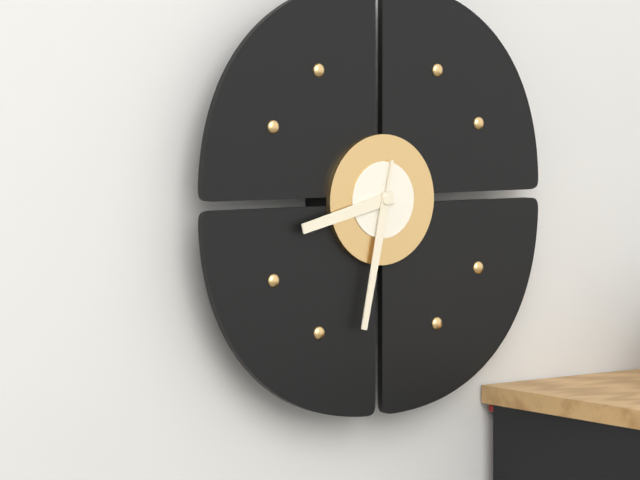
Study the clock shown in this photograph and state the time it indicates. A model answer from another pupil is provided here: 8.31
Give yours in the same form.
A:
8.32
